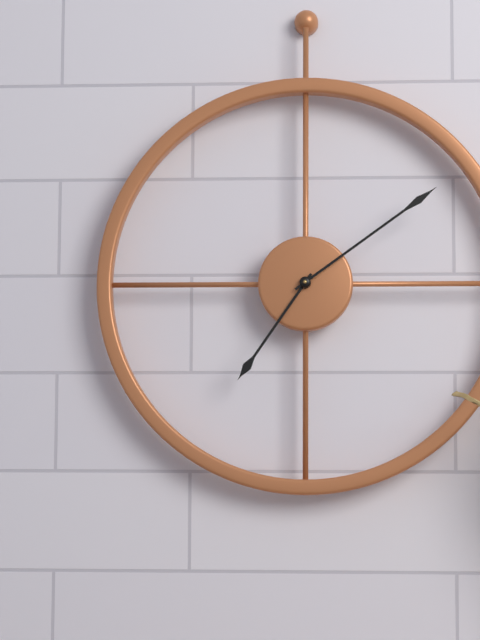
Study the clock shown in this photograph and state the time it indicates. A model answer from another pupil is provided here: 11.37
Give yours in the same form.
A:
7.09
